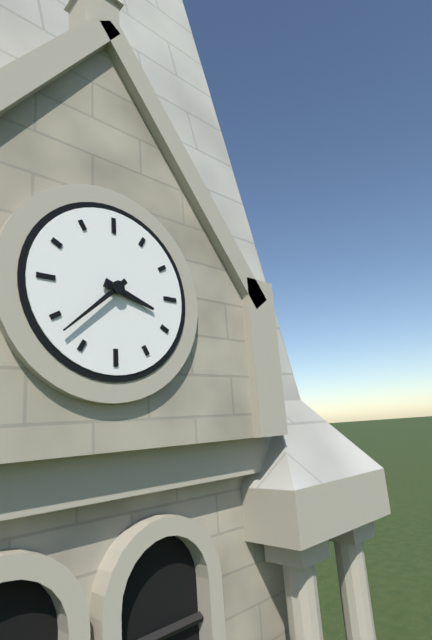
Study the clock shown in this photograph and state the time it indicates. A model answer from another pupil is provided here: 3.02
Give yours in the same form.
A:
3.38
